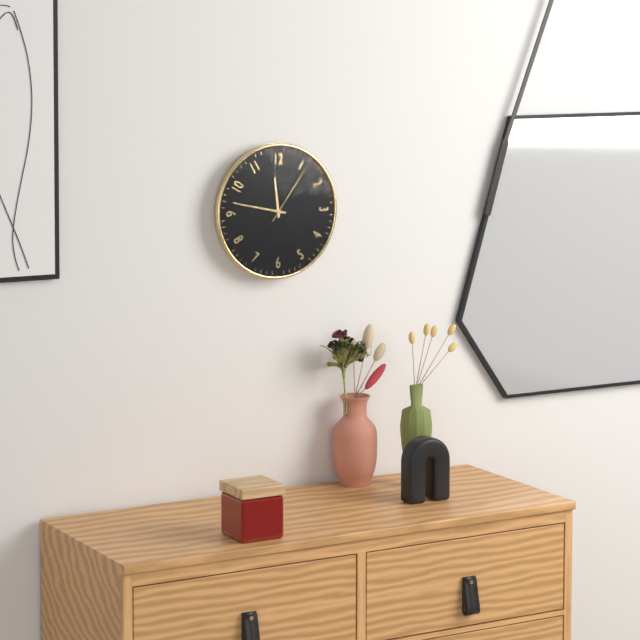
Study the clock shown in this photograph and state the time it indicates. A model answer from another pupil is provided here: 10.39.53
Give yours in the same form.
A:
11.47.06
